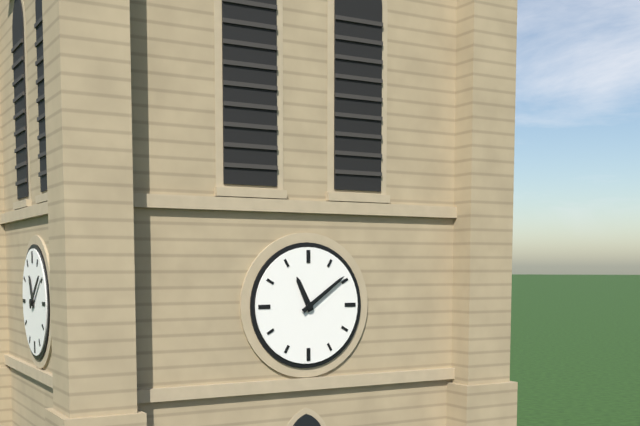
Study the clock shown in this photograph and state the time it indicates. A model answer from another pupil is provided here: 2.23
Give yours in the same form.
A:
11.09
